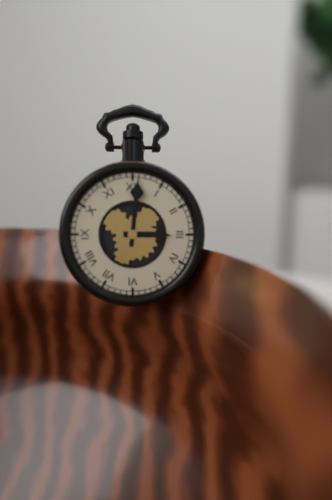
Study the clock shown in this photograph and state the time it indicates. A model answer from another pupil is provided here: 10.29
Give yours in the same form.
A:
3.01
